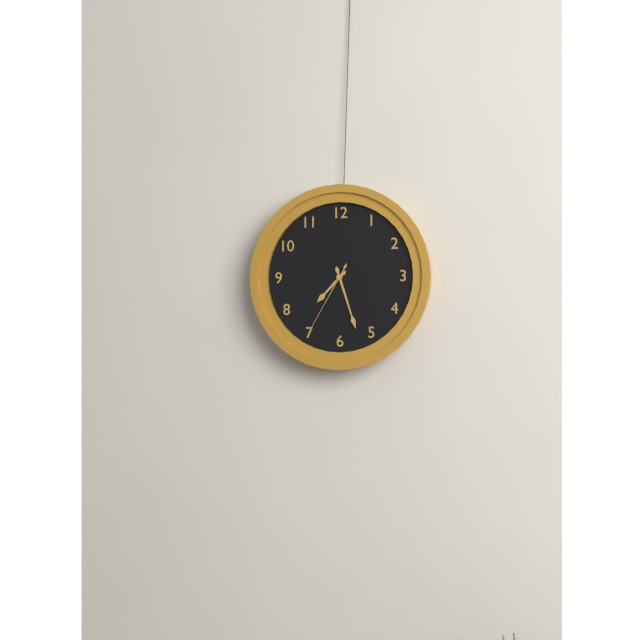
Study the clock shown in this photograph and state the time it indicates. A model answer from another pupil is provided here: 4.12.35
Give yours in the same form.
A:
7.27.35
